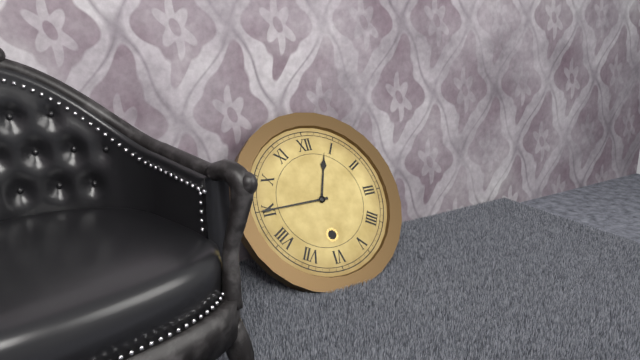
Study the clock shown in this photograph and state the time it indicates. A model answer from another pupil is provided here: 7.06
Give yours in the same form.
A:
12.45
